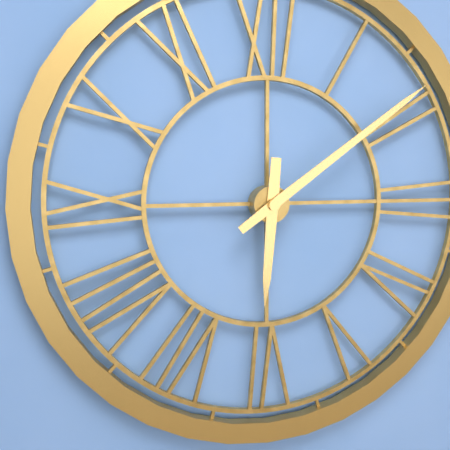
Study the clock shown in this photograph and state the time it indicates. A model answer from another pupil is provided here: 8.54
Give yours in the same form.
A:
6.09
